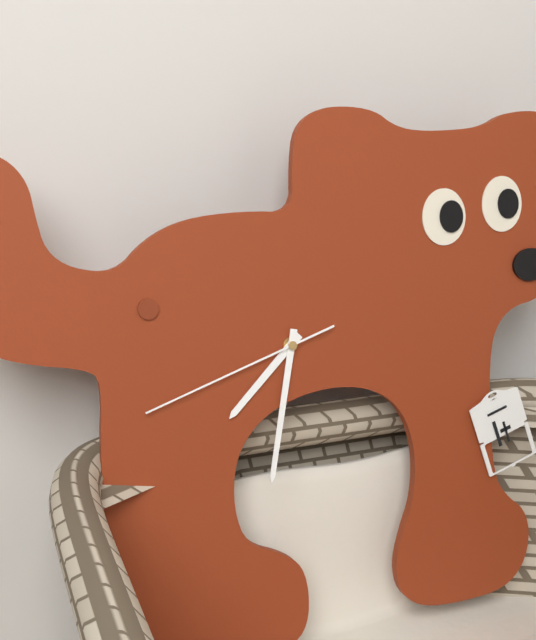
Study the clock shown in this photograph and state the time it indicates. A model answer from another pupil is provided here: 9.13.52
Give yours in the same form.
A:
7.32.42
